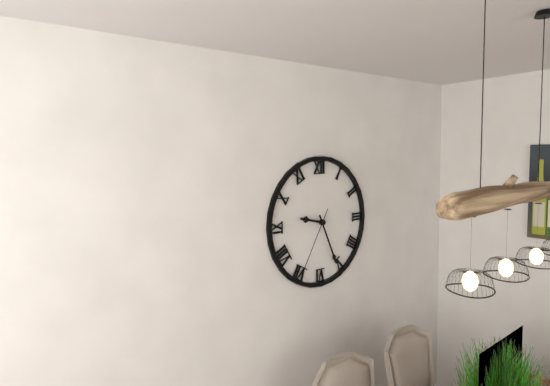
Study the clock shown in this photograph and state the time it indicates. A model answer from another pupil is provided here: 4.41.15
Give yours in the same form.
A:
9.26.35
